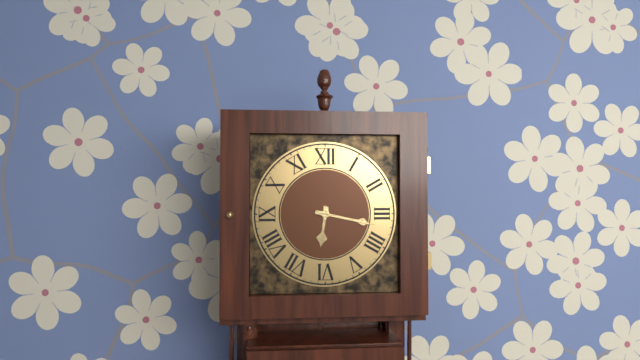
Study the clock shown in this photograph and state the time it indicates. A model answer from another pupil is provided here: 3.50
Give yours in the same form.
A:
6.17
